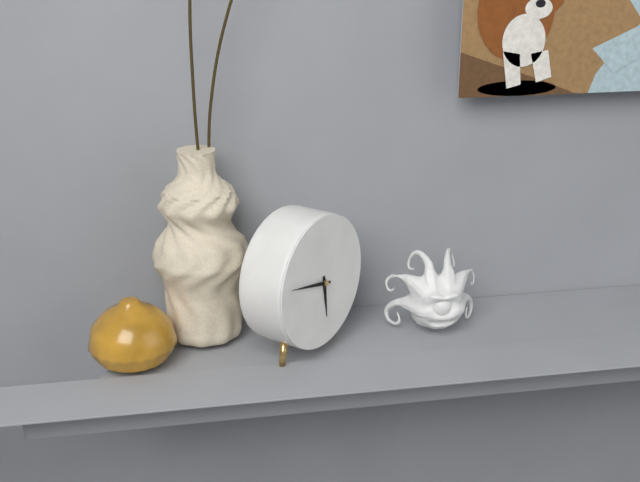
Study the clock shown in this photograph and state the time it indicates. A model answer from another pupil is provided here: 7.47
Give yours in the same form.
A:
5.47
